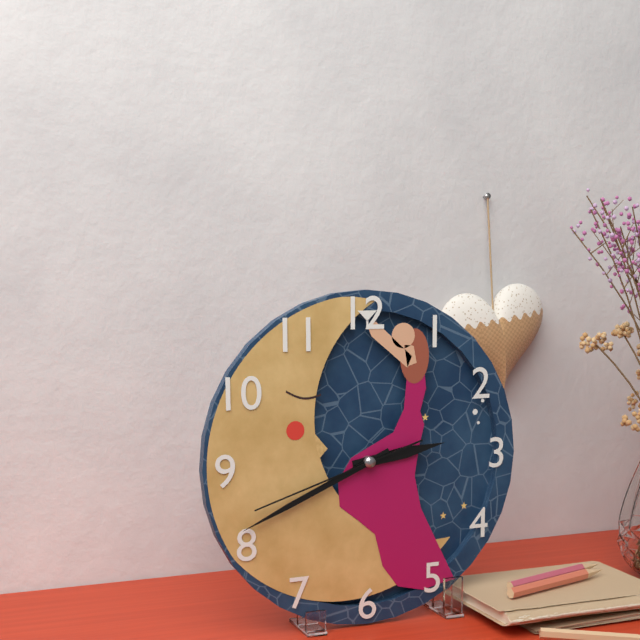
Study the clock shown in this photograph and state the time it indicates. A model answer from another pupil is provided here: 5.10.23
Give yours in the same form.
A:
2.41.42
